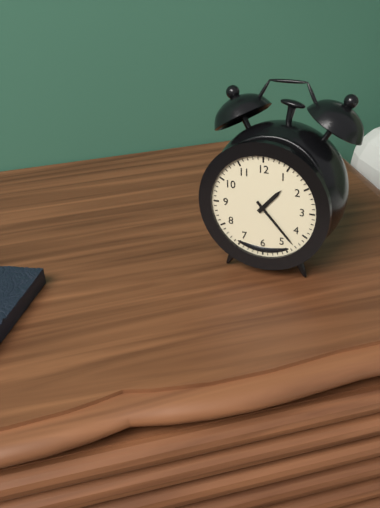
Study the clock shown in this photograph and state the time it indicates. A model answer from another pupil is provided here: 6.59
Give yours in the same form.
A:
1.23
